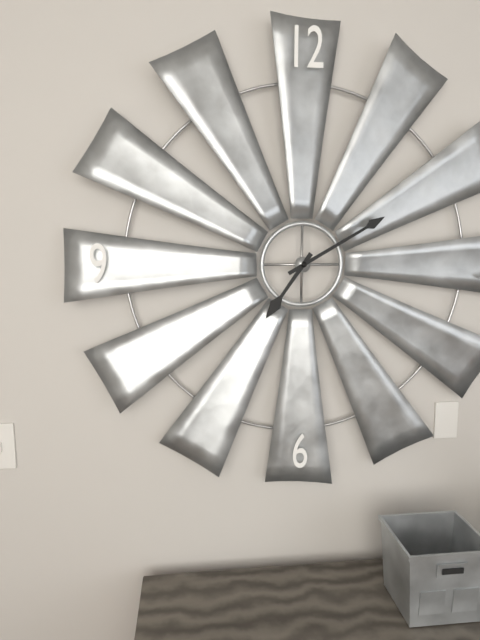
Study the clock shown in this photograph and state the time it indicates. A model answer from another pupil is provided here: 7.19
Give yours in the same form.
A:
7.10
